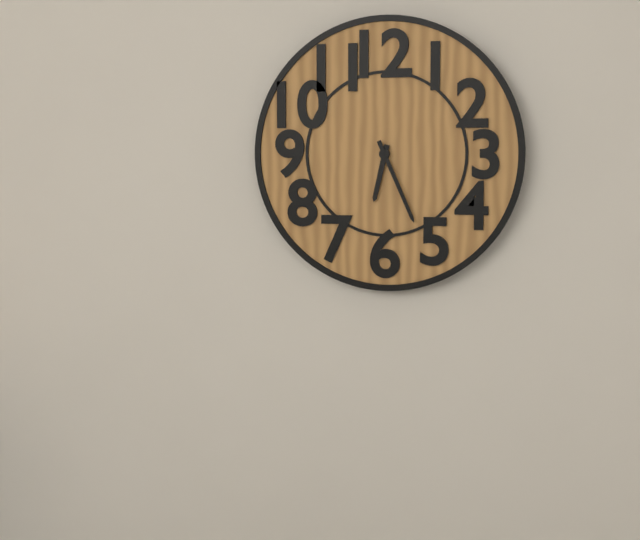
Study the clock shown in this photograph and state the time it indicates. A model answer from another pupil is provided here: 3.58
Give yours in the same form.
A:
6.26
